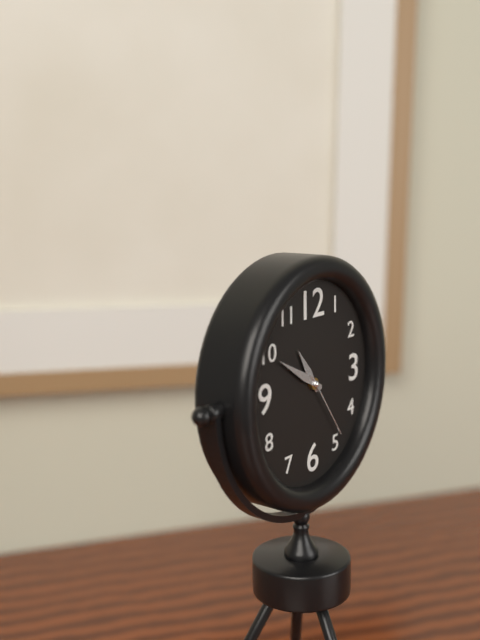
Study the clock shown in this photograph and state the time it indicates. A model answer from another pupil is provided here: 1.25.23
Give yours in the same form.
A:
10.50.24
